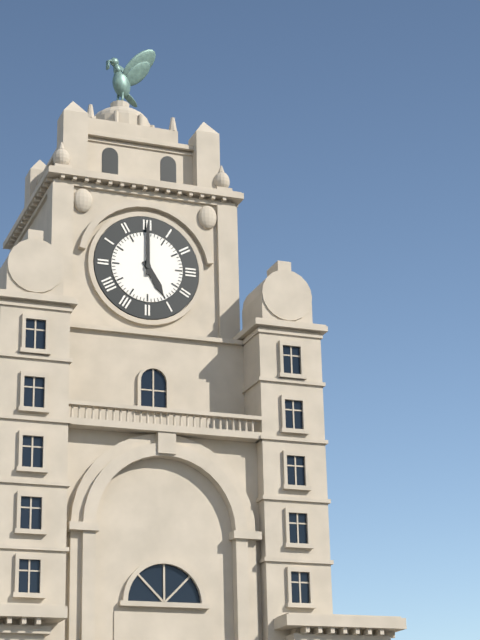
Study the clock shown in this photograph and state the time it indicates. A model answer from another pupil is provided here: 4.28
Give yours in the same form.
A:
5.00
